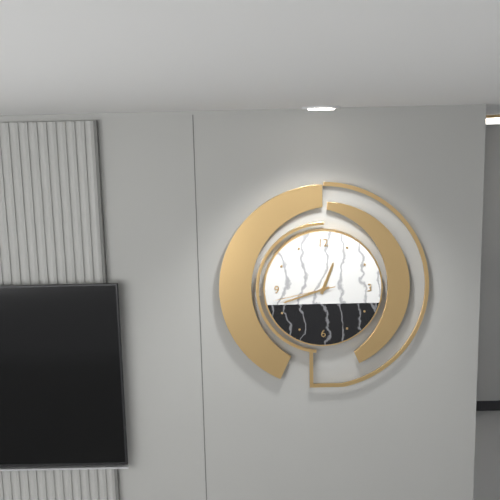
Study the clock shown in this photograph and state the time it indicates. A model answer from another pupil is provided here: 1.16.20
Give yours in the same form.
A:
12.42.43
